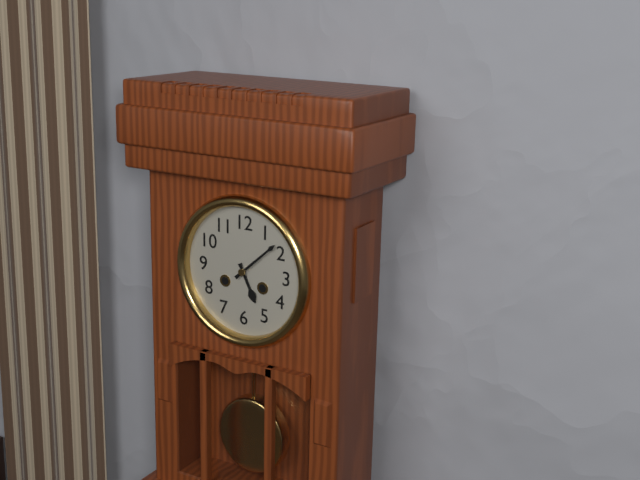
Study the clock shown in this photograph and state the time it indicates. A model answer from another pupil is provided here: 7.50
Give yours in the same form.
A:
5.08
